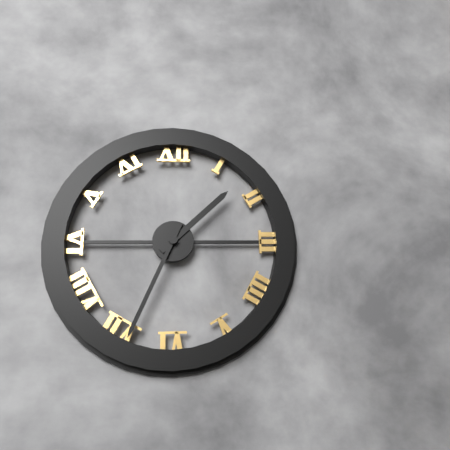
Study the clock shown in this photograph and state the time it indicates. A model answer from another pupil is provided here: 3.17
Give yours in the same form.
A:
1.34
